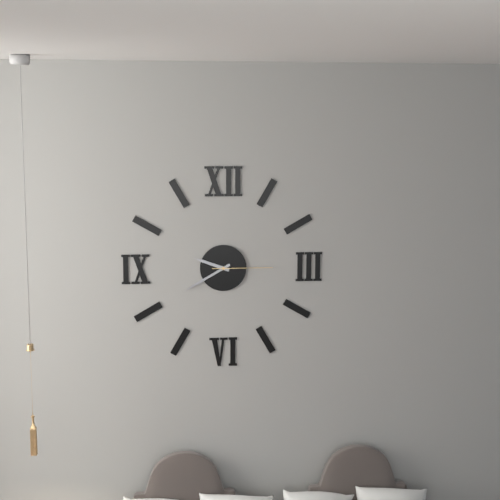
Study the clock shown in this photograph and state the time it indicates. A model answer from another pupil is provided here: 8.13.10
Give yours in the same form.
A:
9.40.15
